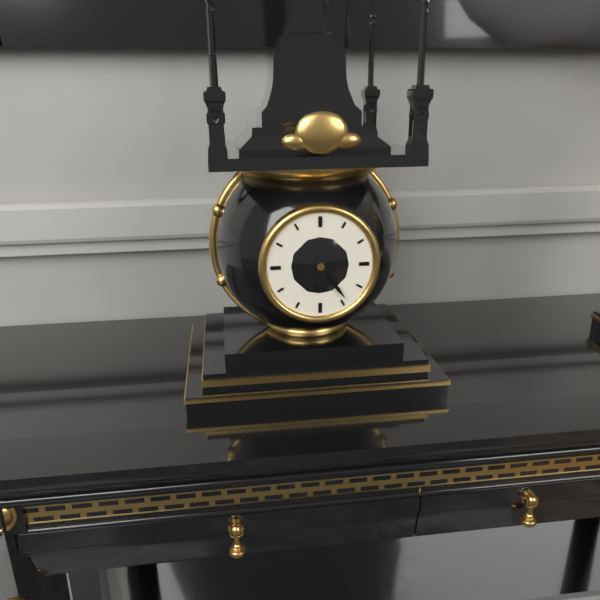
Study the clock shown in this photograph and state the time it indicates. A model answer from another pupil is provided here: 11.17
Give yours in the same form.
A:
6.24
